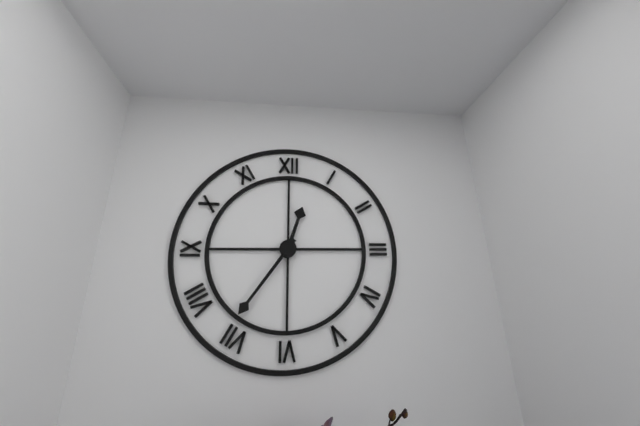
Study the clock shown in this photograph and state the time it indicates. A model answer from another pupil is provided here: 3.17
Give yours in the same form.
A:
12.36
